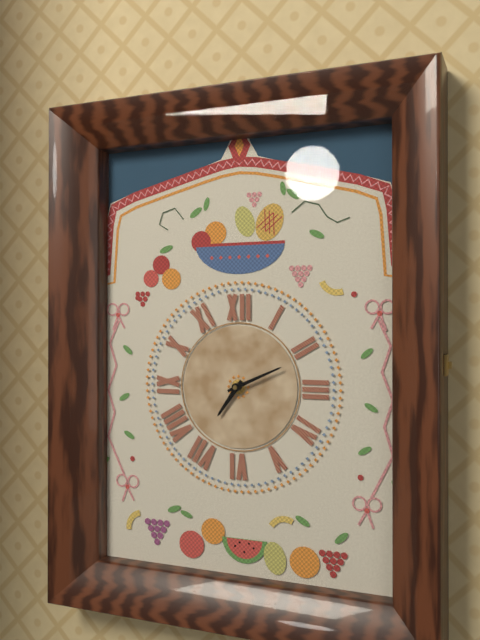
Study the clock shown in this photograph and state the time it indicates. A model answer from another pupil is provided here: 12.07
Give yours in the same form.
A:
7.11
